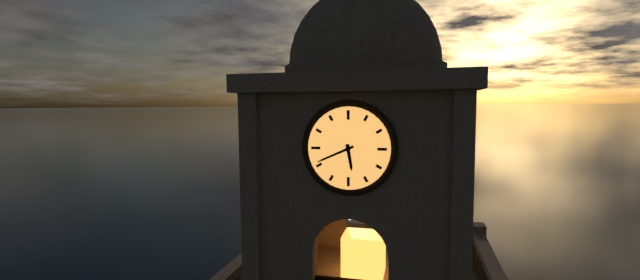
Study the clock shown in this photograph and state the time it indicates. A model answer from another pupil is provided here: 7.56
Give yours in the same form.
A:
5.41
